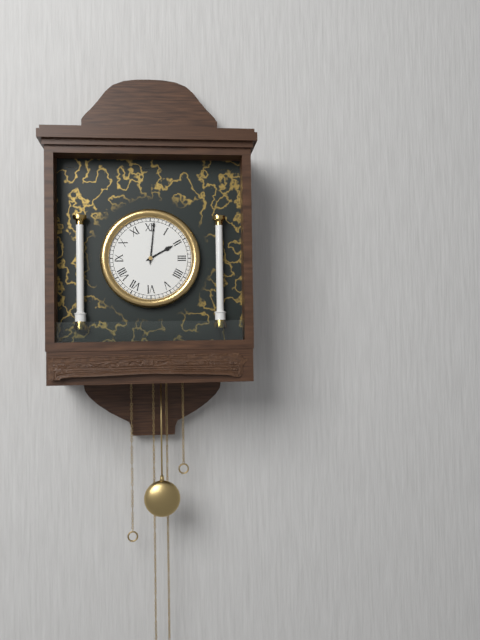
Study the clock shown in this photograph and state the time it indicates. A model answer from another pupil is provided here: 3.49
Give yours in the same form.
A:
2.01
